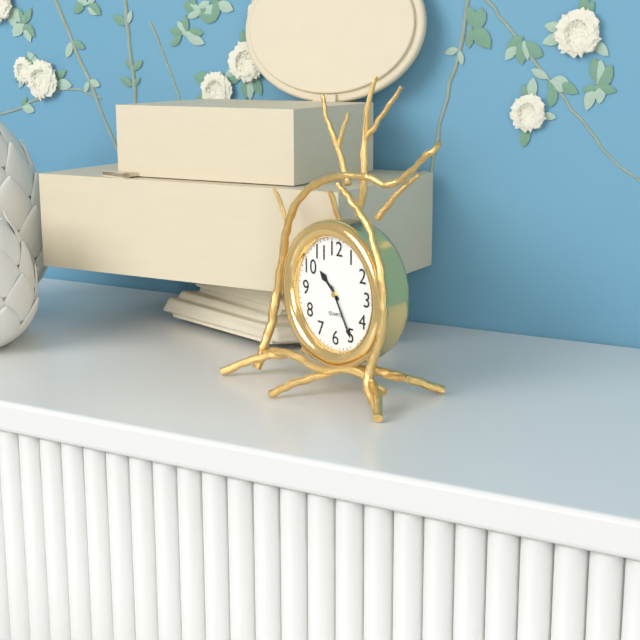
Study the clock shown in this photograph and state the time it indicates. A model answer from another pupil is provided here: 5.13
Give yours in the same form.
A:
10.25
